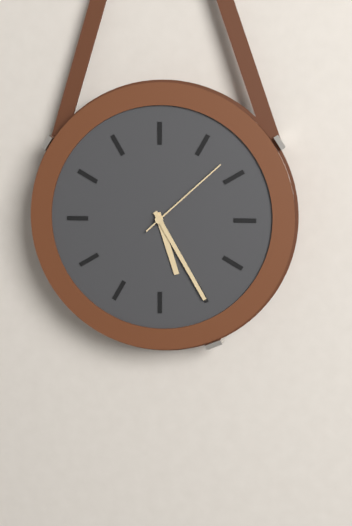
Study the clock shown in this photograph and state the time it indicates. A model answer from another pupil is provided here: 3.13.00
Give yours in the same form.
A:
5.25.08
